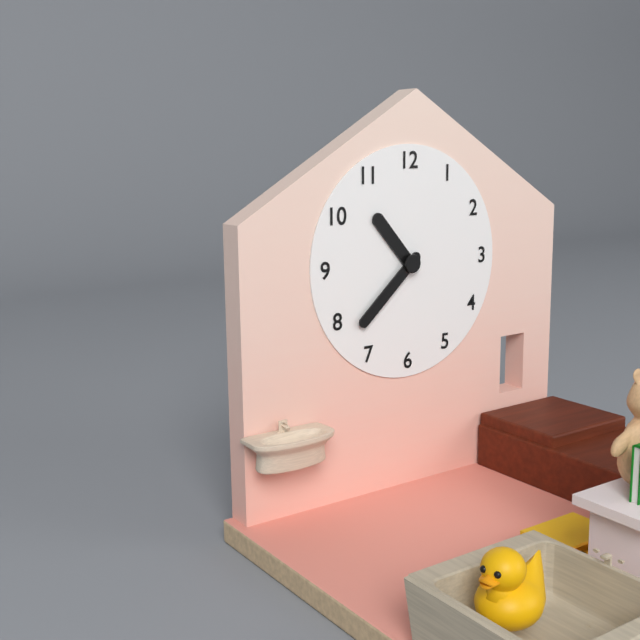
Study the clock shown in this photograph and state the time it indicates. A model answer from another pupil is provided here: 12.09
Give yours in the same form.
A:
10.38
